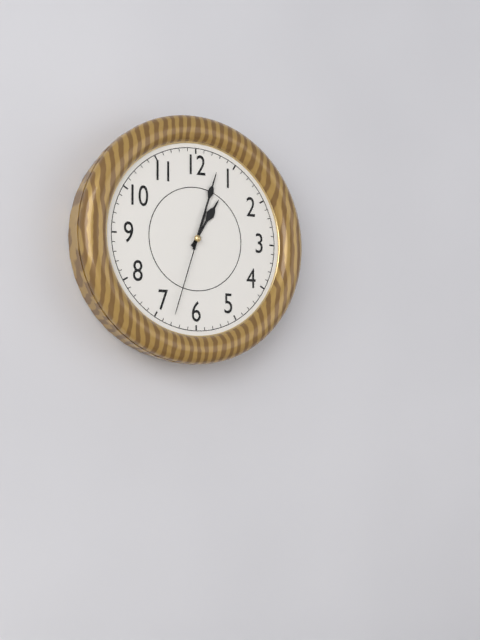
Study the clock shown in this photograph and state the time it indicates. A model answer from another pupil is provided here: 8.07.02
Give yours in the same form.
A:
1.03.33
